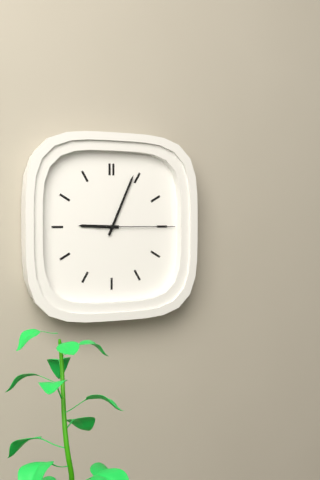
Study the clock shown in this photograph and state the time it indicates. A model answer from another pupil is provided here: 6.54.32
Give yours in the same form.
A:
9.04.15
